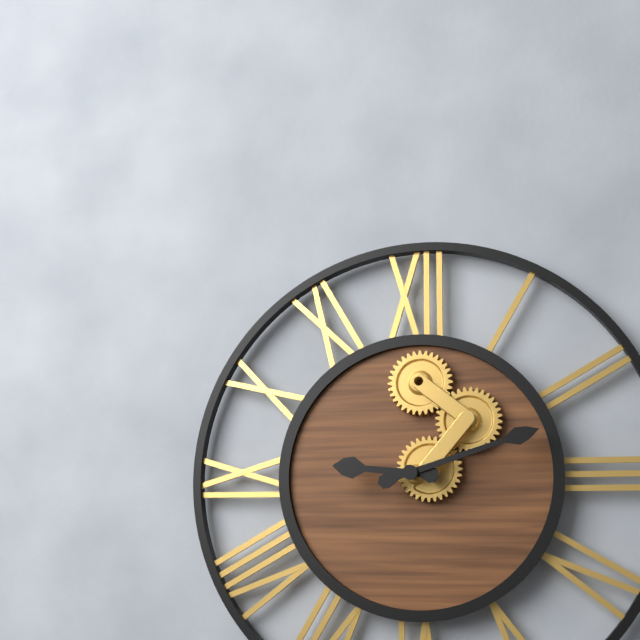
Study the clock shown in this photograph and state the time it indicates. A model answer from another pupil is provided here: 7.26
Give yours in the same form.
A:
9.12
